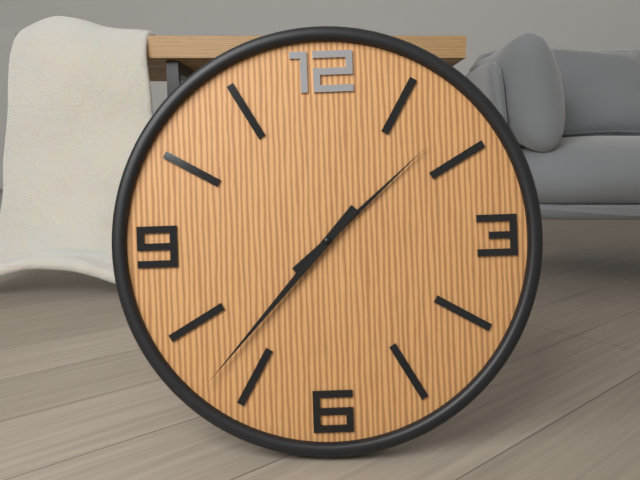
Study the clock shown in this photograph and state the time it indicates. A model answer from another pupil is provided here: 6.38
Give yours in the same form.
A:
1.37
